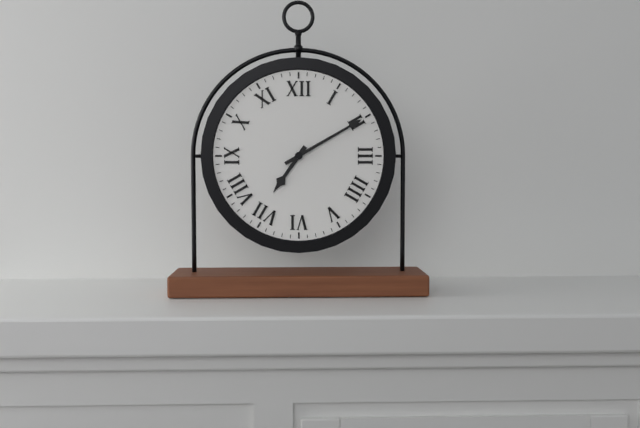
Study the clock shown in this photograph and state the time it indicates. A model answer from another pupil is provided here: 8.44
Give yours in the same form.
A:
7.10
